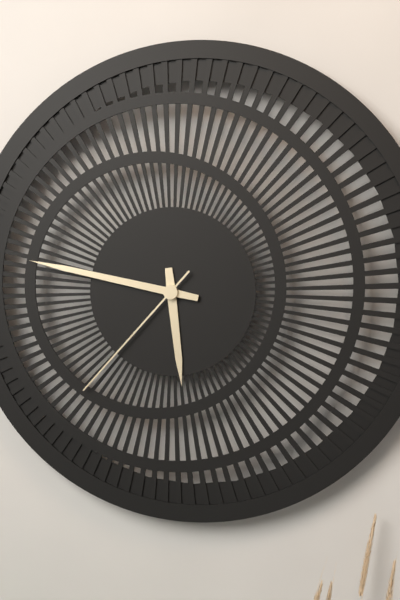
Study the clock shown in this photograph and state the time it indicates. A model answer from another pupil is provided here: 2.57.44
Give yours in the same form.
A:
5.47.37
